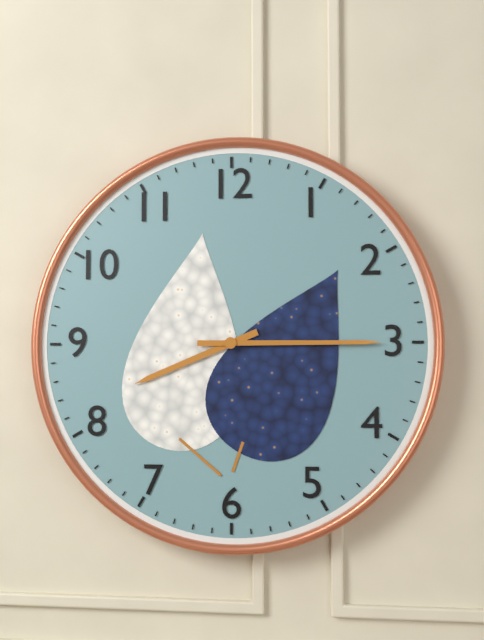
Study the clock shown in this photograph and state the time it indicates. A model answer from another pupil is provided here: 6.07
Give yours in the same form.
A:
8.15
